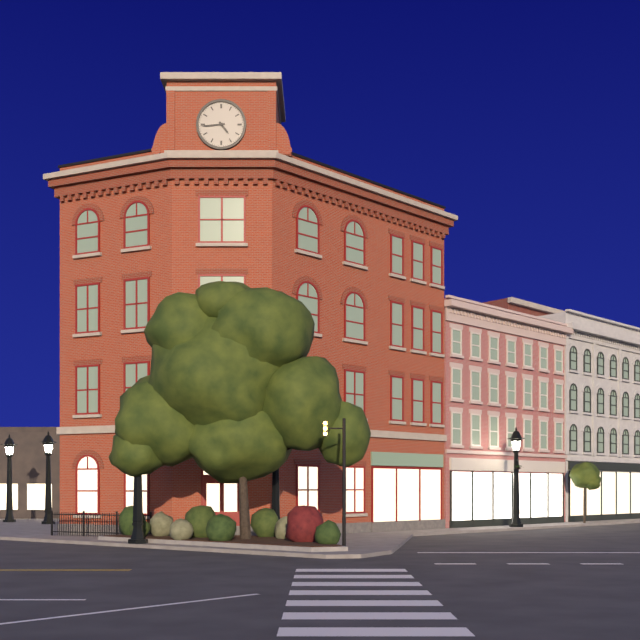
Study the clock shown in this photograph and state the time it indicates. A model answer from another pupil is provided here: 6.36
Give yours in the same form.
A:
4.44
